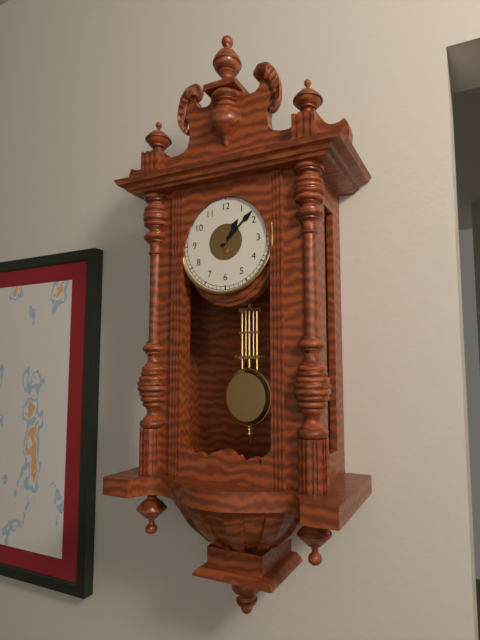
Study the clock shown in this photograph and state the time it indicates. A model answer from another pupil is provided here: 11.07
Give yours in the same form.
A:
1.08
